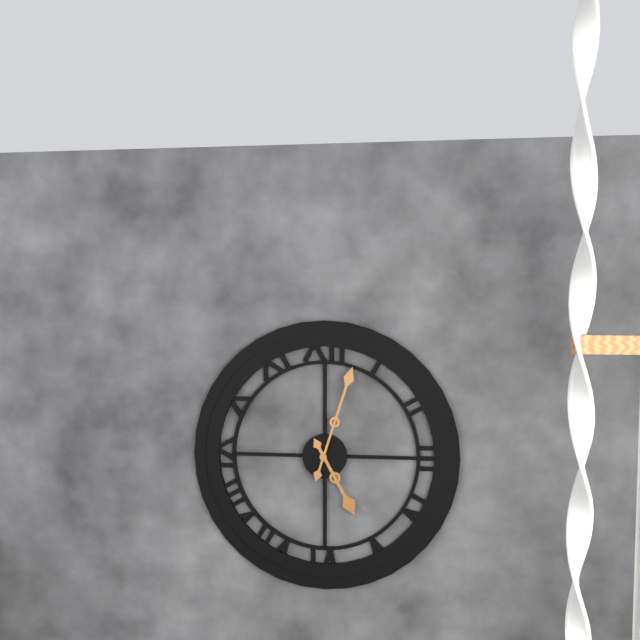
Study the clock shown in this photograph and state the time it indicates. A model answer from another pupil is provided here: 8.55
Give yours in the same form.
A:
5.03
